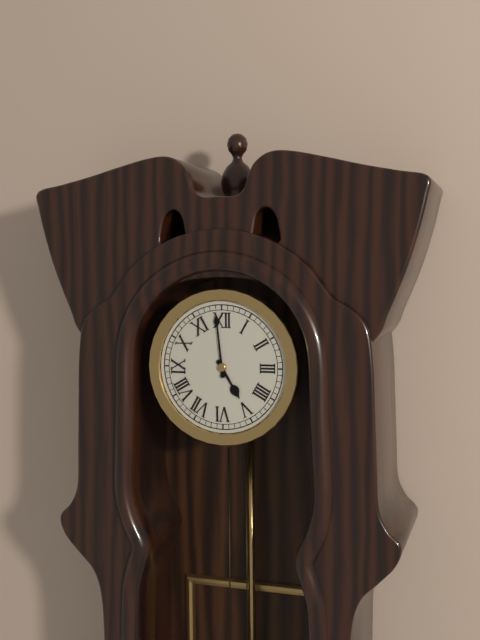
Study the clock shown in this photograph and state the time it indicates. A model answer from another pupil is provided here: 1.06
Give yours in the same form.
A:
4.59
